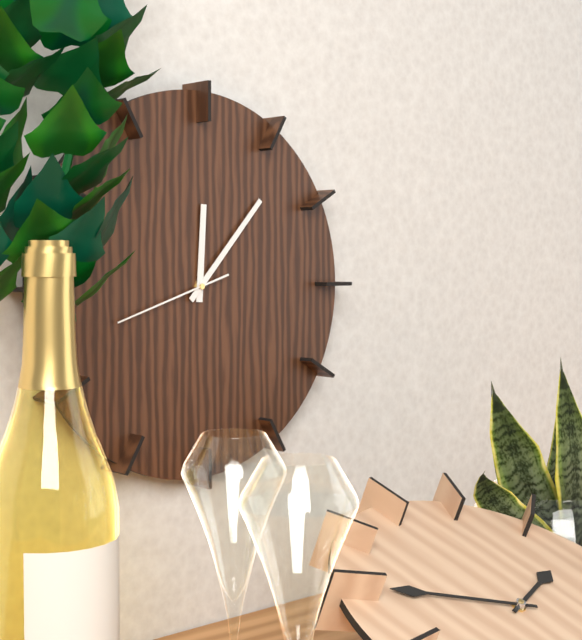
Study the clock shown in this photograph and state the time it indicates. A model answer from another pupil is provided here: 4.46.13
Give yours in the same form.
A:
12.07.42
